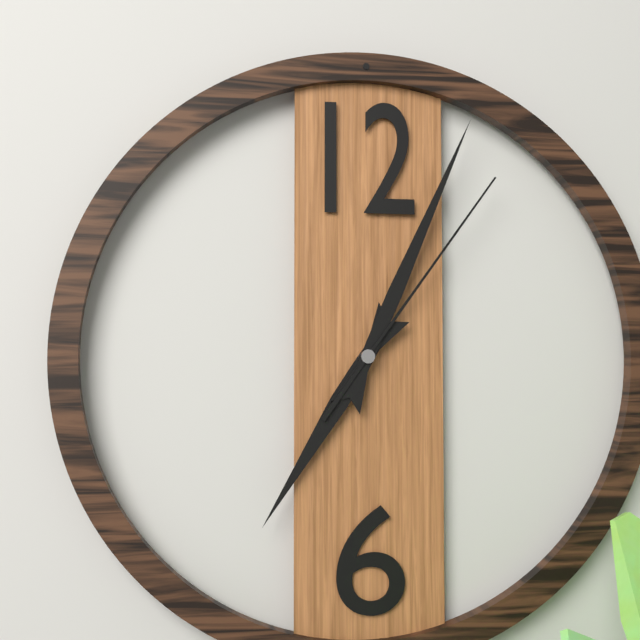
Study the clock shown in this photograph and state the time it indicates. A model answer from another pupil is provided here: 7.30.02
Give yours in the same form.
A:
7.04.06
